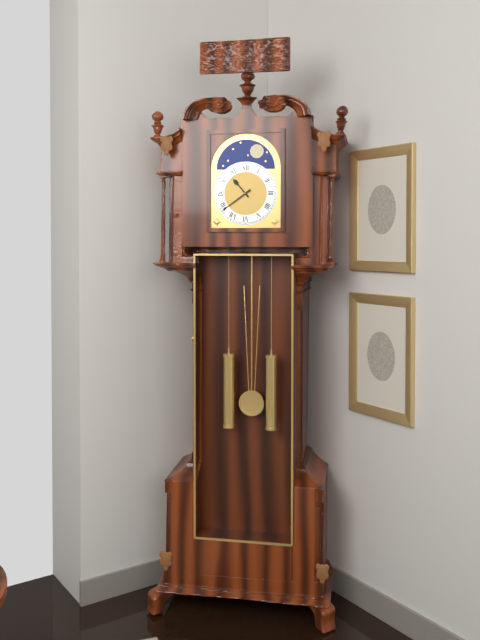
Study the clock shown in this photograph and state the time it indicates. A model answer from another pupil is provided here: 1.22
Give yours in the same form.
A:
10.39
